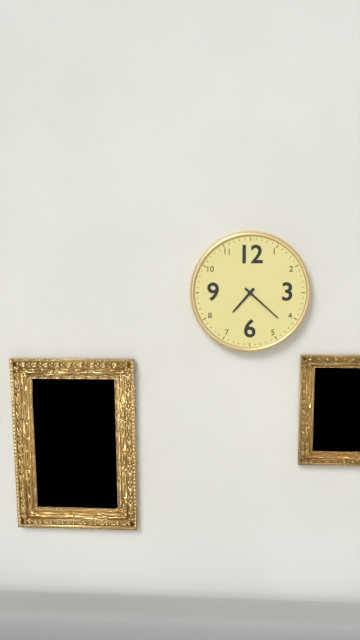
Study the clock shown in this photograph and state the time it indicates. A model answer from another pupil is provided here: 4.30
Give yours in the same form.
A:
7.22
